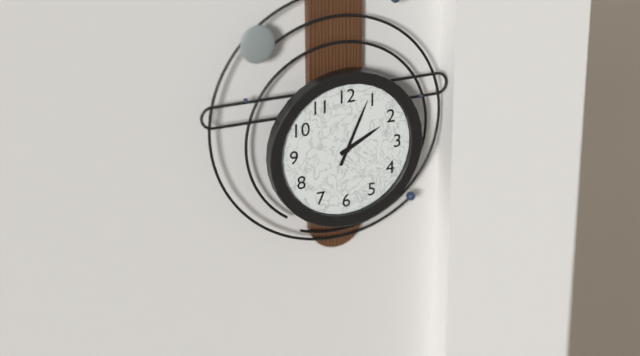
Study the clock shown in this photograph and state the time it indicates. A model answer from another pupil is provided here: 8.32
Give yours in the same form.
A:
2.04
